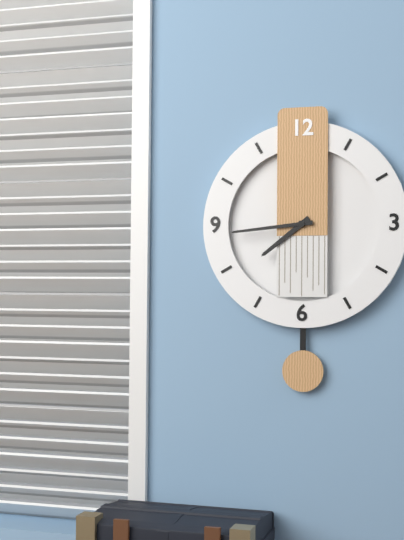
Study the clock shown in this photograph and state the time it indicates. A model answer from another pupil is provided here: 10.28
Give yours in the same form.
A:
7.44
